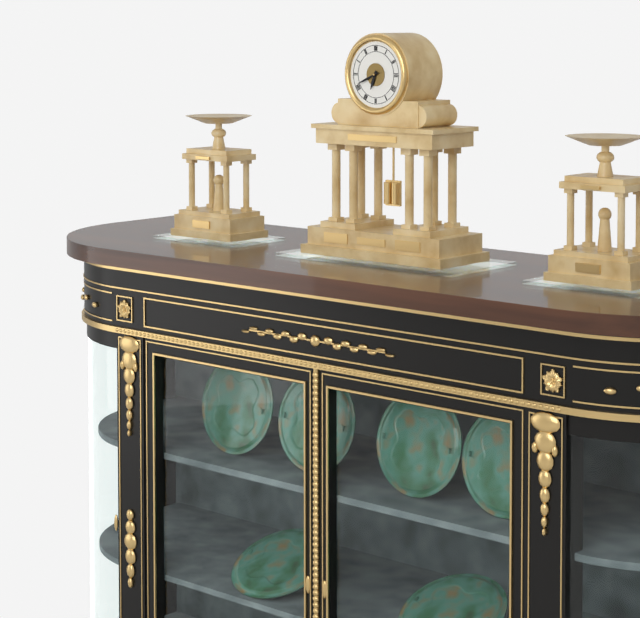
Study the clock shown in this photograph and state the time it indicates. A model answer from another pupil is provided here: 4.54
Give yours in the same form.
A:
6.41
